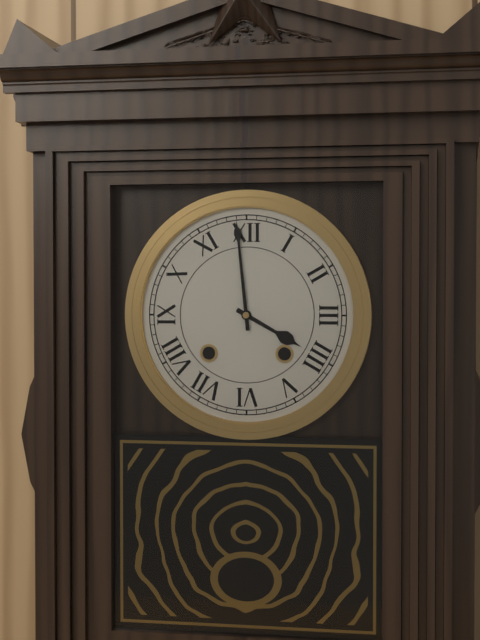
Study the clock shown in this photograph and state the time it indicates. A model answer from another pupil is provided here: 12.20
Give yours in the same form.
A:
3.59
